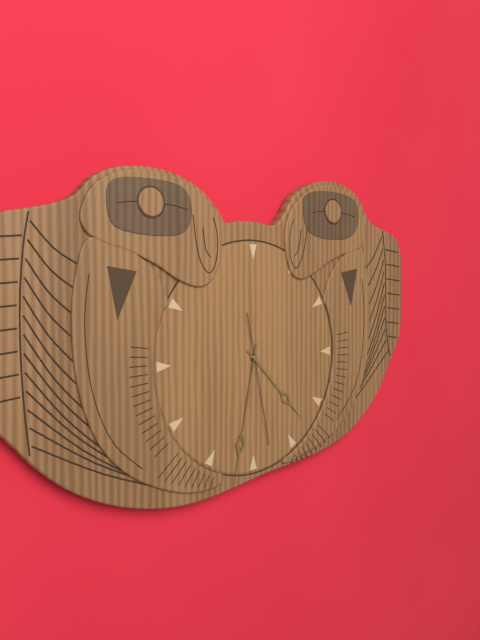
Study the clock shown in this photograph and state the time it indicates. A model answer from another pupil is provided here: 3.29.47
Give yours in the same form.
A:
4.32.28
